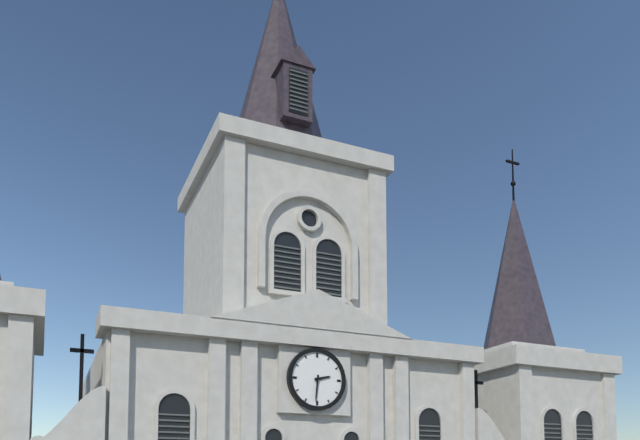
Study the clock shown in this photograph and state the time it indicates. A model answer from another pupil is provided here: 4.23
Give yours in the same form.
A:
2.31
